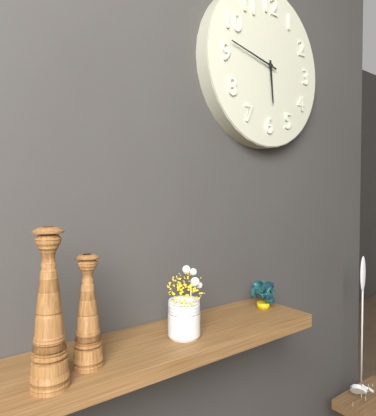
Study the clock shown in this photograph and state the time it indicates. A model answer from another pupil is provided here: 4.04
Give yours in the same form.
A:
5.47
